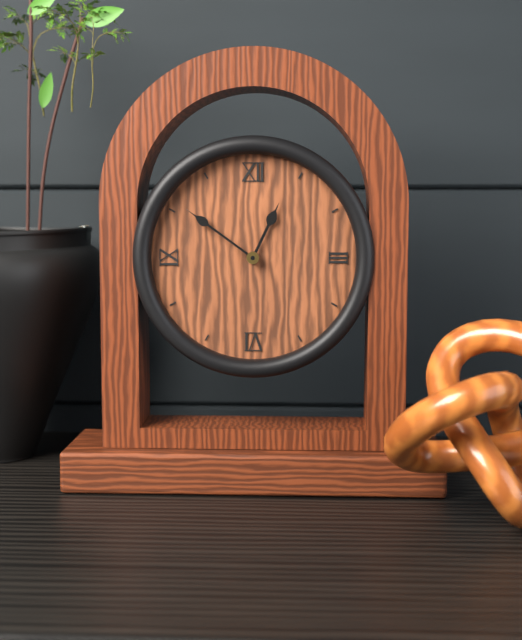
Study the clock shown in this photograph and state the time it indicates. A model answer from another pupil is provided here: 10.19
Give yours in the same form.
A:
12.51
